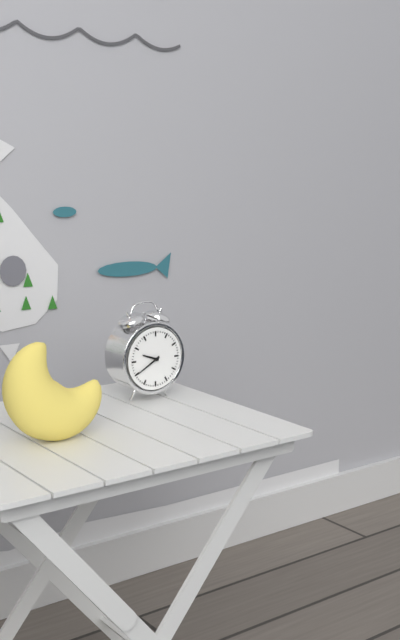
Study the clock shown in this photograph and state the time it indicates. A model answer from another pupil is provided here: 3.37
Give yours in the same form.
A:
9.40
